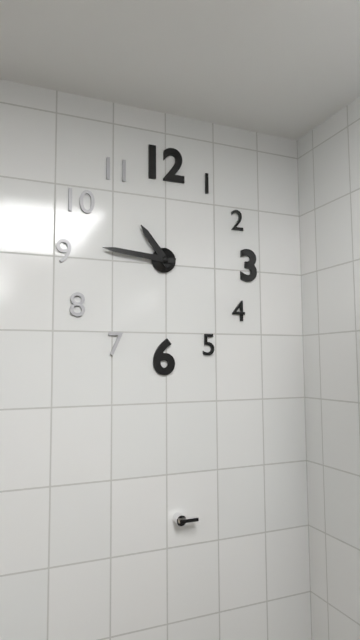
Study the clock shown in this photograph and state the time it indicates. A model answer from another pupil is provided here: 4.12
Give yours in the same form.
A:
10.46
